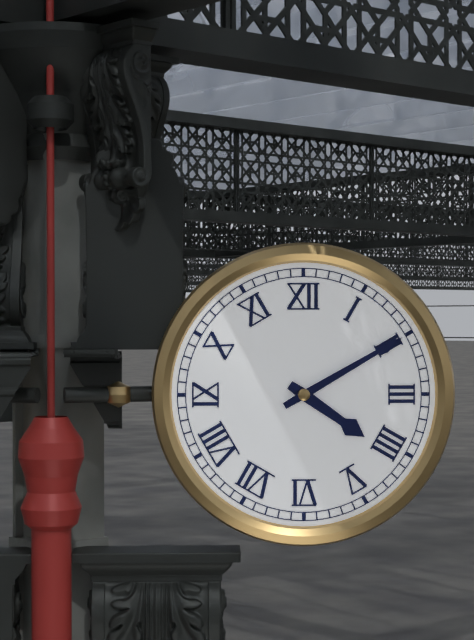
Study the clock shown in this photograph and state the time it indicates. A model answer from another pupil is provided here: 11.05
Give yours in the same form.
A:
4.10
